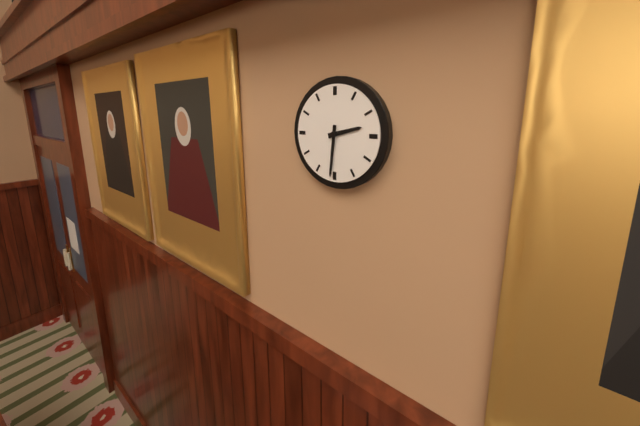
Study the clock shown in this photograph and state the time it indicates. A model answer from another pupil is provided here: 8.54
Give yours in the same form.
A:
2.31
